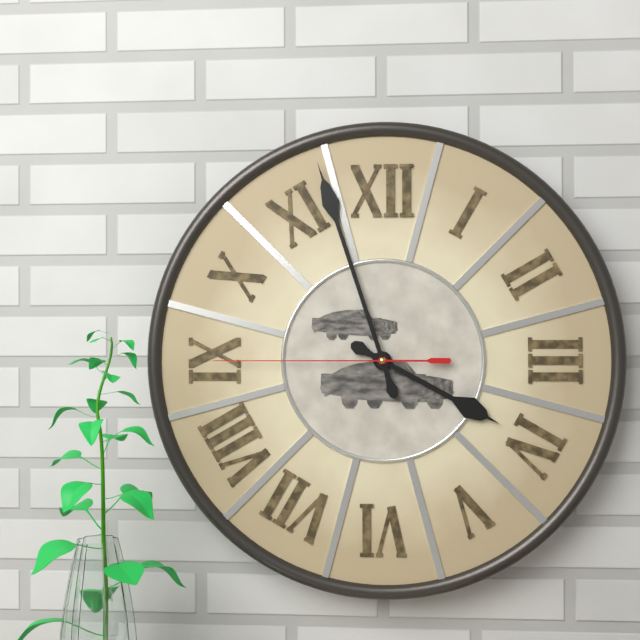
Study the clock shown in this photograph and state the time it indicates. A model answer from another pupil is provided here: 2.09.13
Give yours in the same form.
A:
3.57.45
